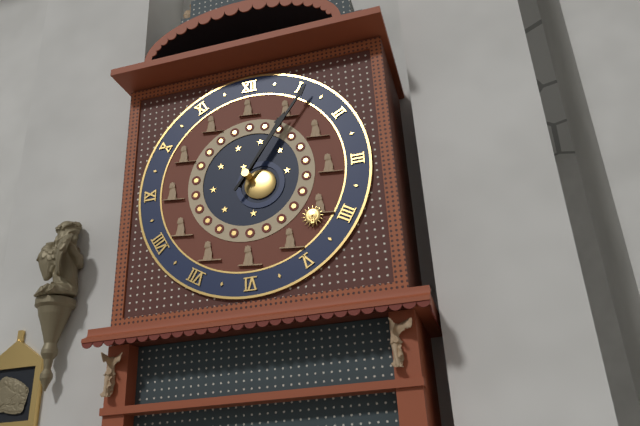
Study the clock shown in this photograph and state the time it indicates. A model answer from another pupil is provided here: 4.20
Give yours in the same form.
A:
1.06
